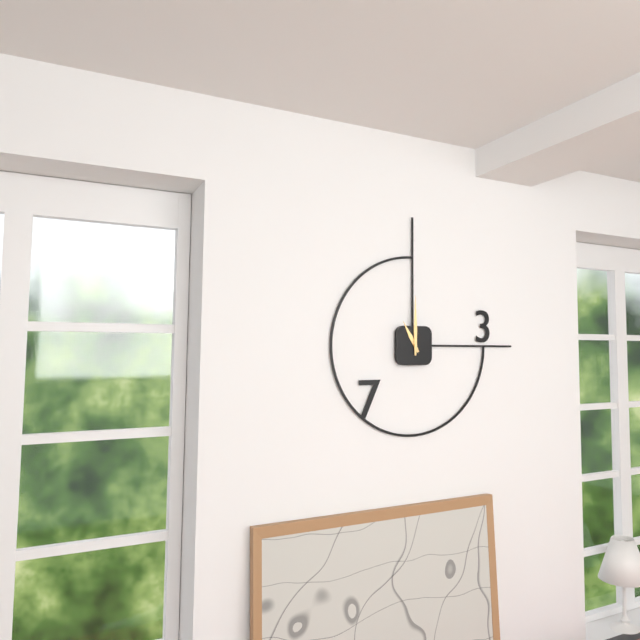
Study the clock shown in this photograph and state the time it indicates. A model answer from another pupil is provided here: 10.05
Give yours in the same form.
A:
11.00
